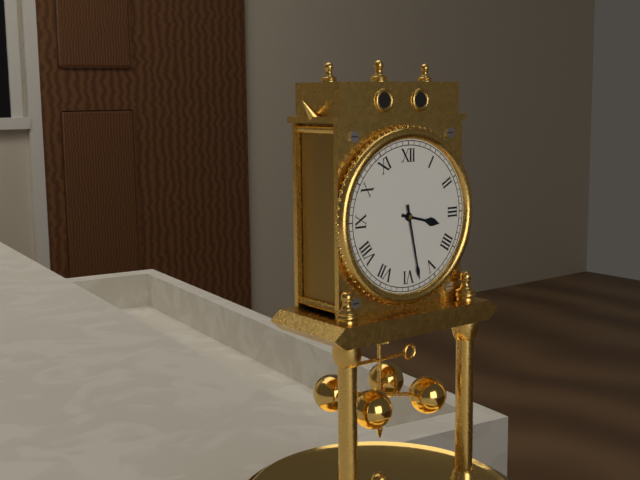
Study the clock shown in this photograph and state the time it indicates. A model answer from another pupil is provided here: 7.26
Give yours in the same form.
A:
3.28
